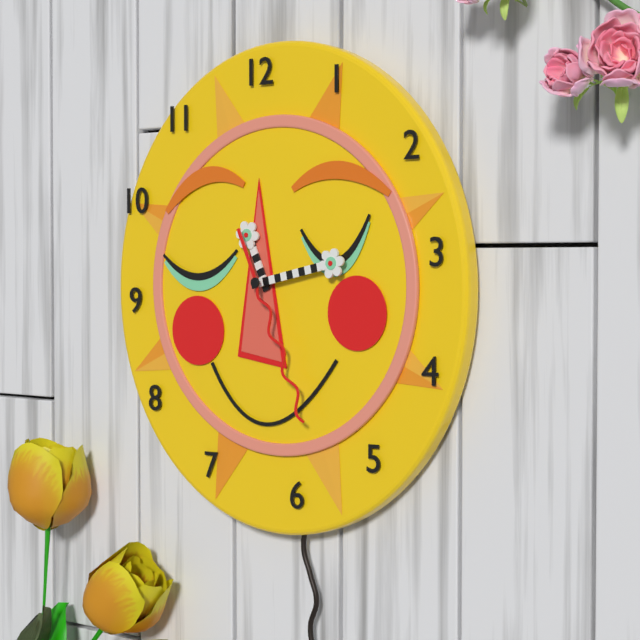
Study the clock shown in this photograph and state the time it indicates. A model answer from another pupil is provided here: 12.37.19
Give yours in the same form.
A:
11.13.26
